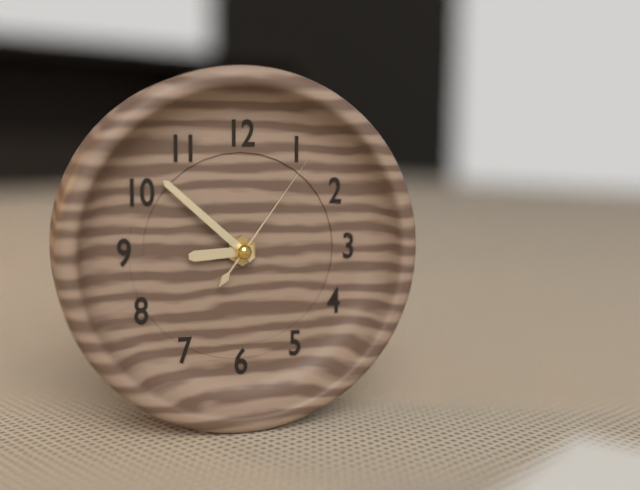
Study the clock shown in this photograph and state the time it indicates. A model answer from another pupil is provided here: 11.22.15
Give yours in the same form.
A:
8.52.06
